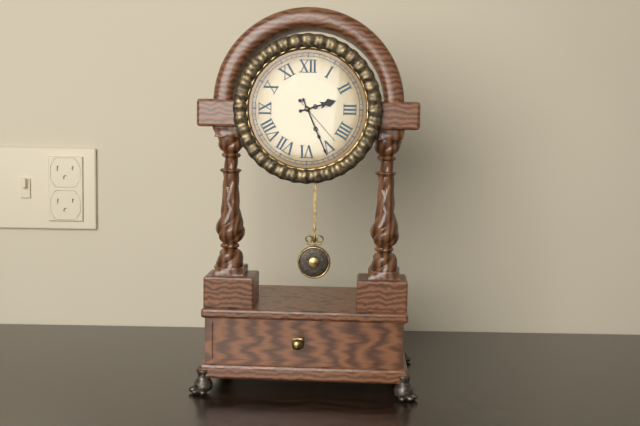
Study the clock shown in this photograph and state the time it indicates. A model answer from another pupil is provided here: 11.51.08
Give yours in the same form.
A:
2.26.23
